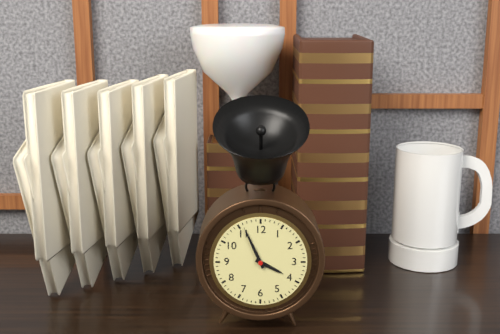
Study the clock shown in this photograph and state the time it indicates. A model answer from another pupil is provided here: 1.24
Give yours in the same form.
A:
3.56
